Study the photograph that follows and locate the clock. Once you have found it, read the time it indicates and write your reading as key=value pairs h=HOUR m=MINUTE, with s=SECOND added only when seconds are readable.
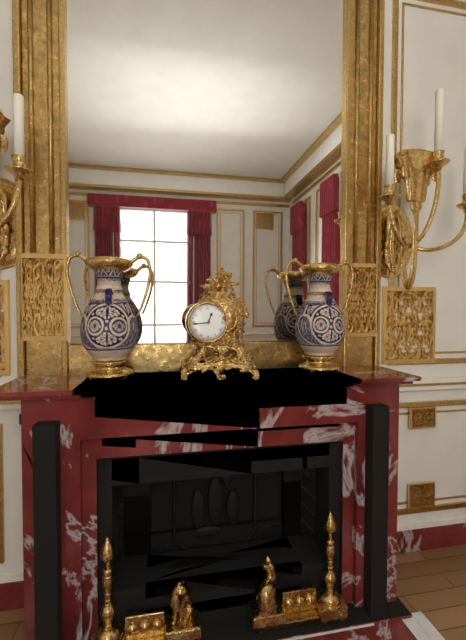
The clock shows h=12 m=44
